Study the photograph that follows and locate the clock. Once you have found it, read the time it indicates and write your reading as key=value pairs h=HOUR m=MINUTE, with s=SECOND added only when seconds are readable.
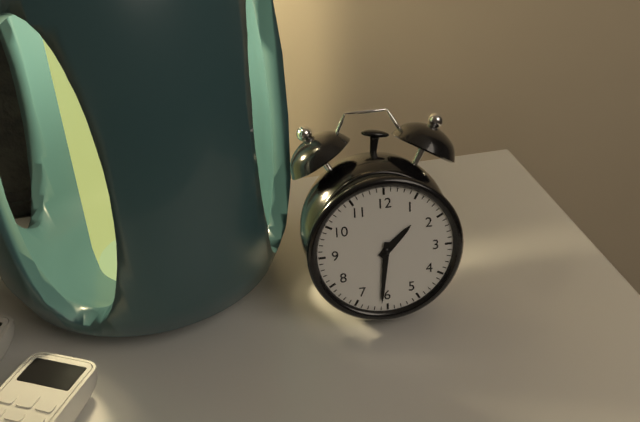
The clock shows h=1 m=31
